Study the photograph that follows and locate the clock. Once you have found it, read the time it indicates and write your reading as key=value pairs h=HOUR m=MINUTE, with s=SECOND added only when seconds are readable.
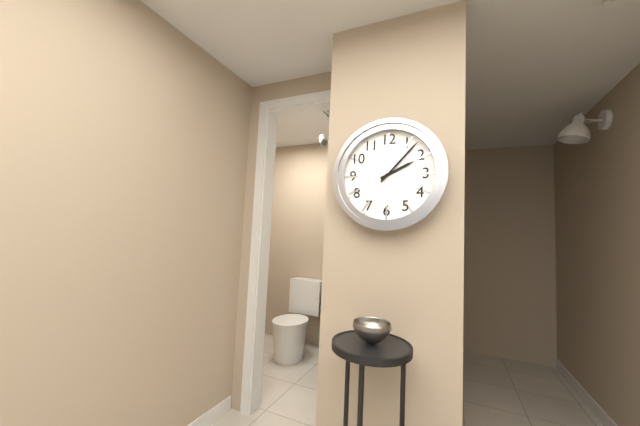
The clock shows h=2 m=7
